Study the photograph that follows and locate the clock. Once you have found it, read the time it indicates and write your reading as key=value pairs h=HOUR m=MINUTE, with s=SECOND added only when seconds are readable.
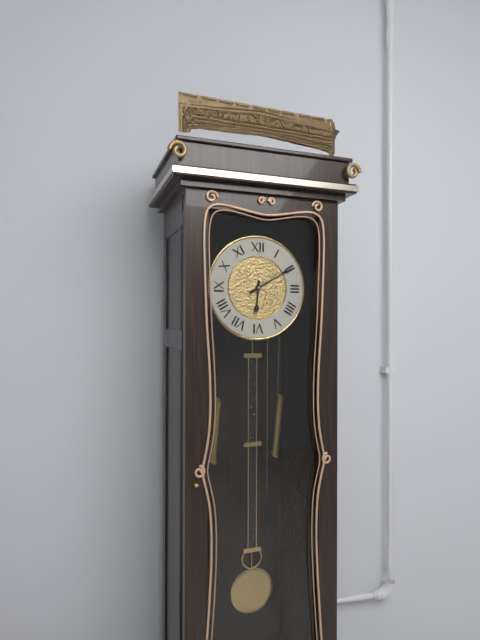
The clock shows h=6 m=10
